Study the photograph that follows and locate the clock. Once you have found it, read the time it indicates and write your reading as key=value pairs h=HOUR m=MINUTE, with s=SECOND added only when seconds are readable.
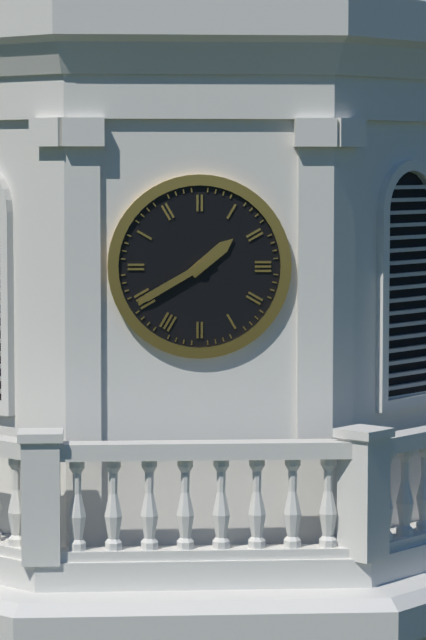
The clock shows h=1 m=40
